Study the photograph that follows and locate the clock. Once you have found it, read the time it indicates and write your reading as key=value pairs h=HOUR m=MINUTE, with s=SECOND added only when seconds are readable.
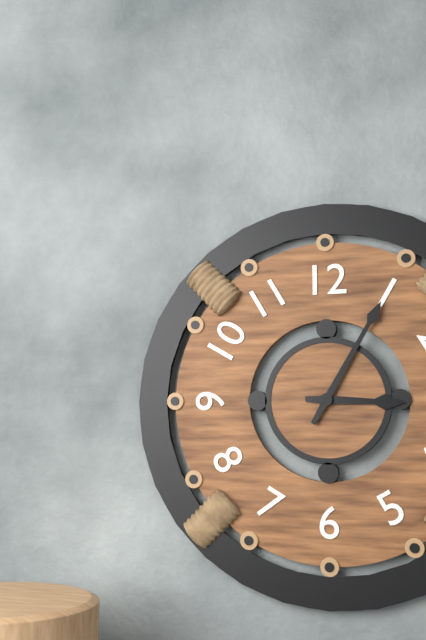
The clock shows h=3 m=5
